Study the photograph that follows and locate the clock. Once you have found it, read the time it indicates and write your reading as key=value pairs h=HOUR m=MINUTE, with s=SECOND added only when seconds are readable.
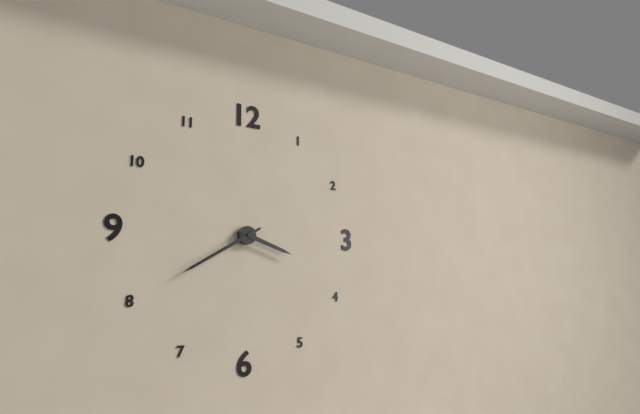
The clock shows h=3 m=40
